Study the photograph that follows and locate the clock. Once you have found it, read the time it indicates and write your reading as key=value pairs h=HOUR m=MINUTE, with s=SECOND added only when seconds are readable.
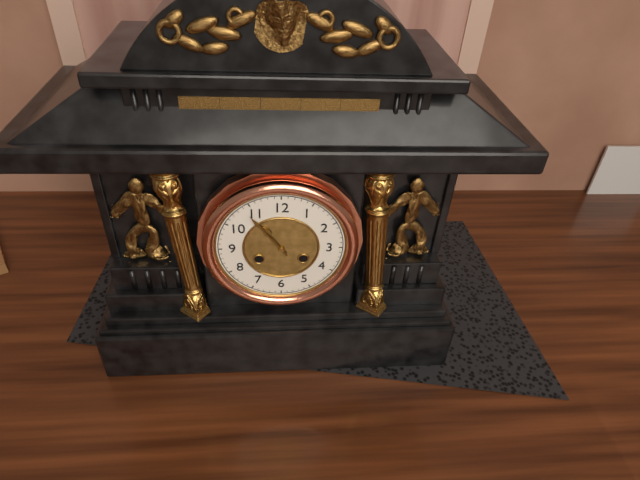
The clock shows h=10 m=54
